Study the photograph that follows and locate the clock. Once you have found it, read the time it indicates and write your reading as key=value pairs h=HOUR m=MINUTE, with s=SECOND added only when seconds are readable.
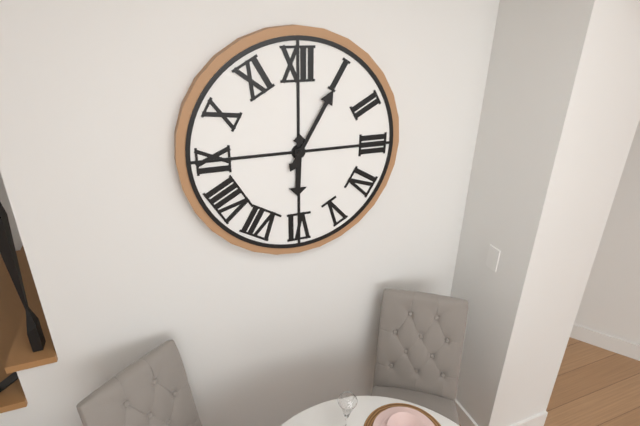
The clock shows h=6 m=5
